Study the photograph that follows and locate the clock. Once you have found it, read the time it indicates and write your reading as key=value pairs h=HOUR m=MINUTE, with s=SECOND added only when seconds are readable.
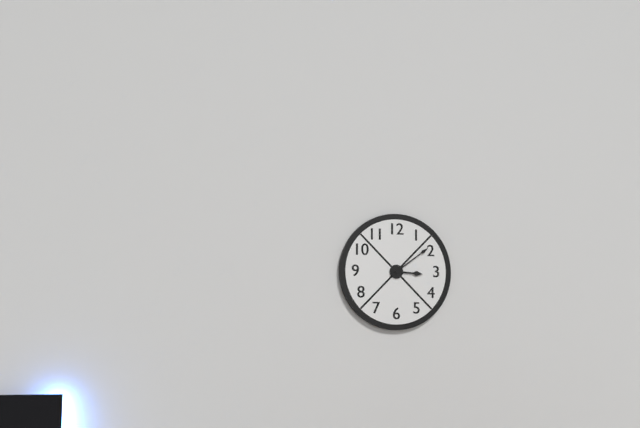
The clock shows h=3 m=9
